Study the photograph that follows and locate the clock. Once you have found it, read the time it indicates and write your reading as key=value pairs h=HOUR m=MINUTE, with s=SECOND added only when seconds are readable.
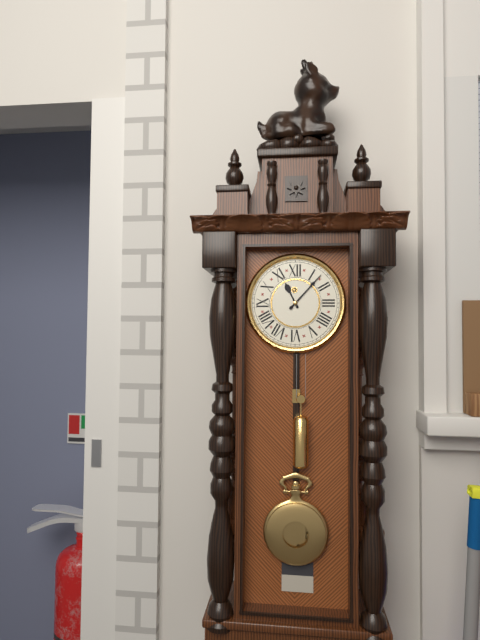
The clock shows h=11 m=7
